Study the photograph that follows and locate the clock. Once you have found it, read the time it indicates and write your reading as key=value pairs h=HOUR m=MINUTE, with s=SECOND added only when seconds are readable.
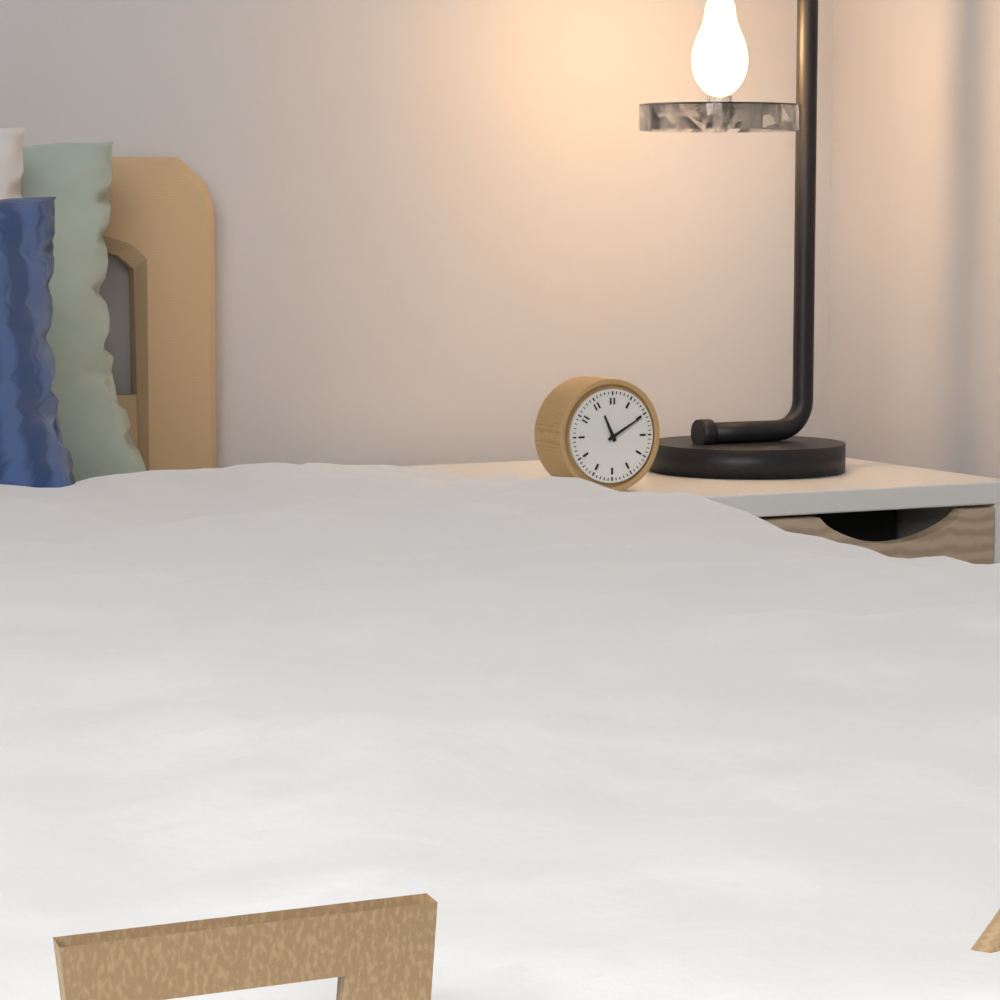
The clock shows h=11 m=10
